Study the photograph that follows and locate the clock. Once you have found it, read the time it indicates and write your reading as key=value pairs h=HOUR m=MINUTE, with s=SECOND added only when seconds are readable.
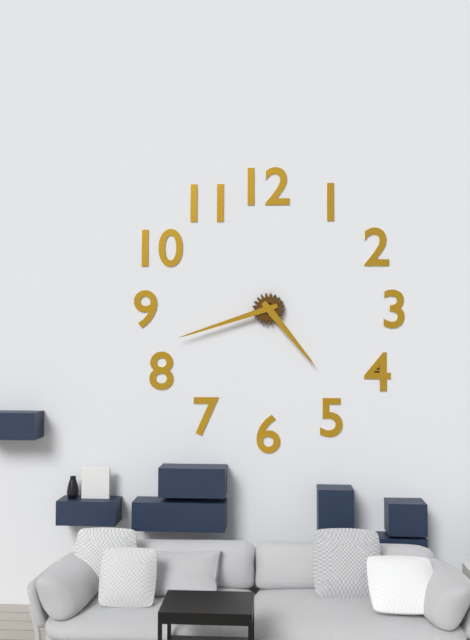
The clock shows h=4 m=42
